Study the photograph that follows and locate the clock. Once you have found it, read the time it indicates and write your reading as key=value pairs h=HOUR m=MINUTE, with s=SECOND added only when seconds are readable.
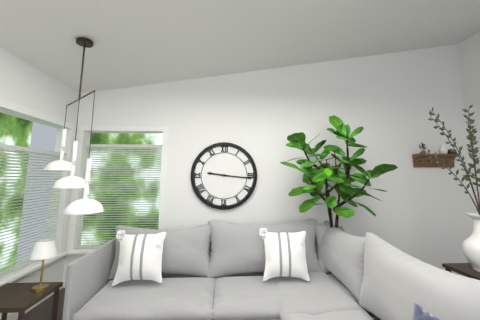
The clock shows h=9 m=16
